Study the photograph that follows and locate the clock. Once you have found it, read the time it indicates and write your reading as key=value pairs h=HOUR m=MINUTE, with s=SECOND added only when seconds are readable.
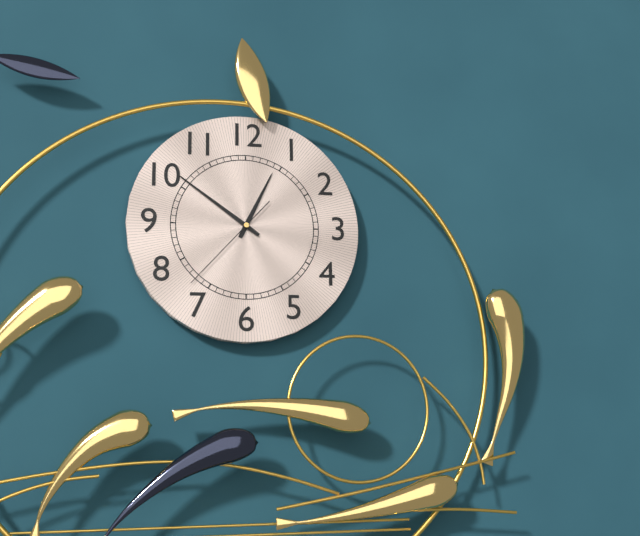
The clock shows h=12 m=51 s=37
